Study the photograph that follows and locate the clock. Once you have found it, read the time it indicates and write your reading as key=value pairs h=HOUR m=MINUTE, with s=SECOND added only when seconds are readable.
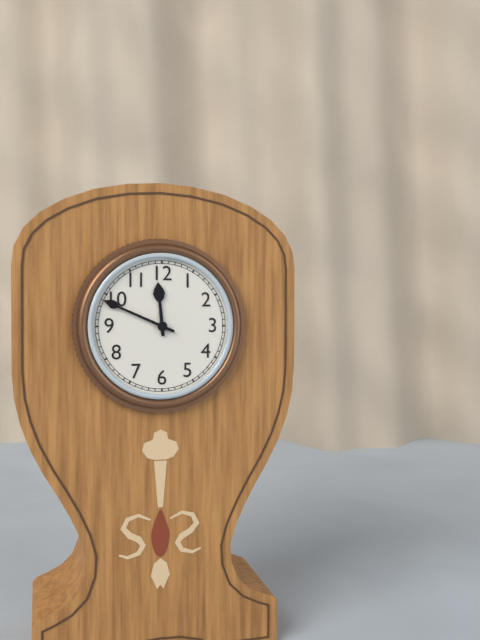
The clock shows h=11 m=49
